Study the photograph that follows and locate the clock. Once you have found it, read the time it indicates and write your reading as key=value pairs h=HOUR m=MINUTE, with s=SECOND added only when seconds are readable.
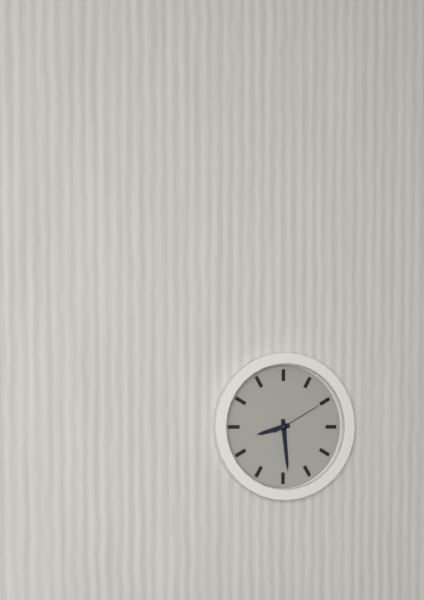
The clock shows h=8 m=29 s=10
